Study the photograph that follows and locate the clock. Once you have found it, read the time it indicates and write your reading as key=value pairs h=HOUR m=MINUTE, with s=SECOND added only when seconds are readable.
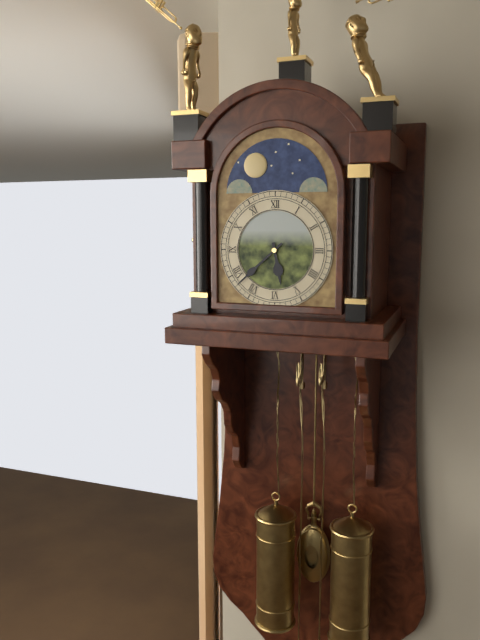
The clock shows h=5 m=38
